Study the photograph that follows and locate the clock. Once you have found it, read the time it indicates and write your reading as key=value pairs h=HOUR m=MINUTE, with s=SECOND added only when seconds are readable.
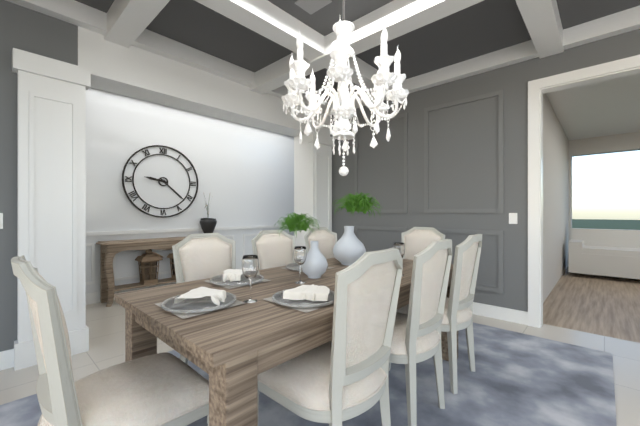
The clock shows h=9 m=22
